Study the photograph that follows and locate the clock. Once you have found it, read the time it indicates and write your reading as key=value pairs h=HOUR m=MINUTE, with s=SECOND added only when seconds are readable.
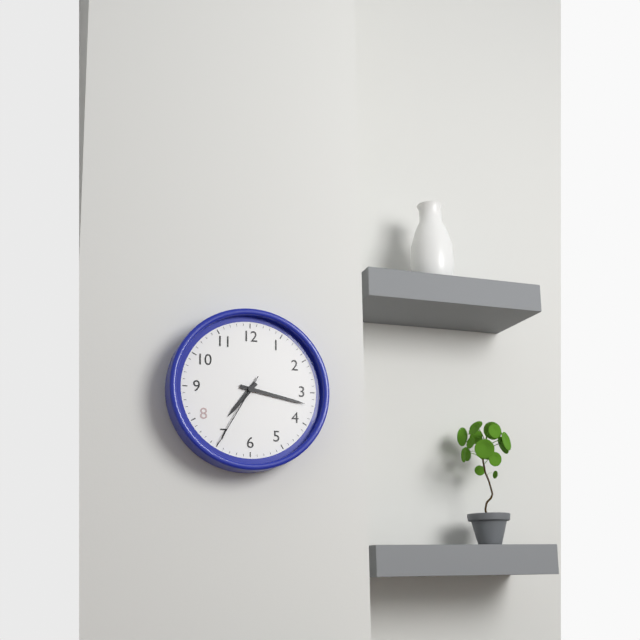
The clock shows h=7 m=17 s=35
